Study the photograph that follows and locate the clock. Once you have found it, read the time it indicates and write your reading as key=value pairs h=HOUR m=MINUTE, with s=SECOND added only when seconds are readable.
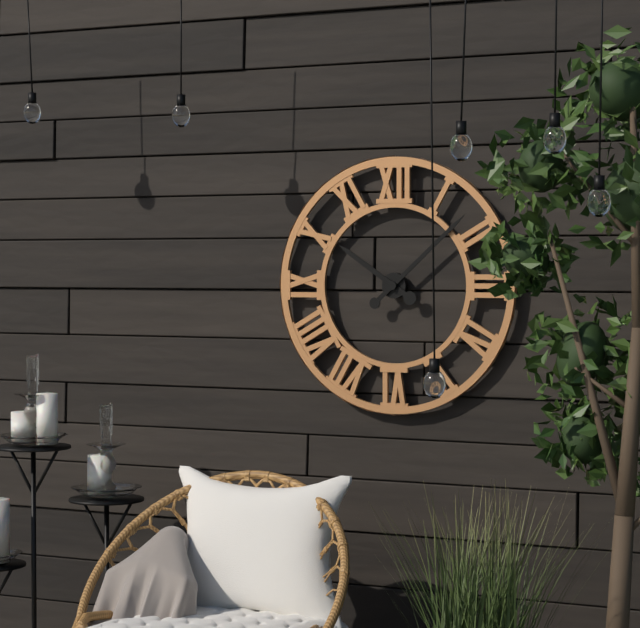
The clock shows h=10 m=8
